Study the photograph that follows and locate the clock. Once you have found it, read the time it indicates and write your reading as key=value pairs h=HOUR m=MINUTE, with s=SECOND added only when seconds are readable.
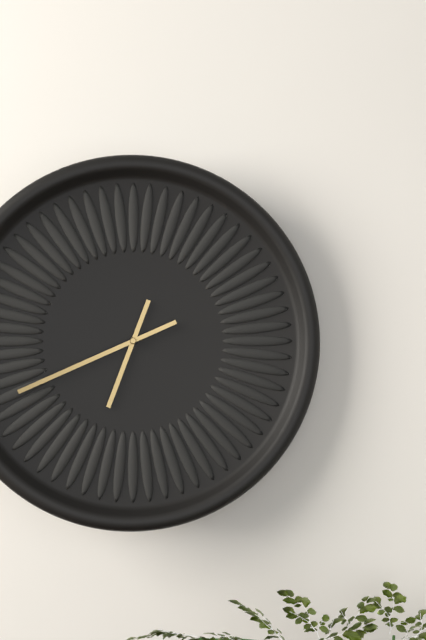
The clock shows h=6 m=41
